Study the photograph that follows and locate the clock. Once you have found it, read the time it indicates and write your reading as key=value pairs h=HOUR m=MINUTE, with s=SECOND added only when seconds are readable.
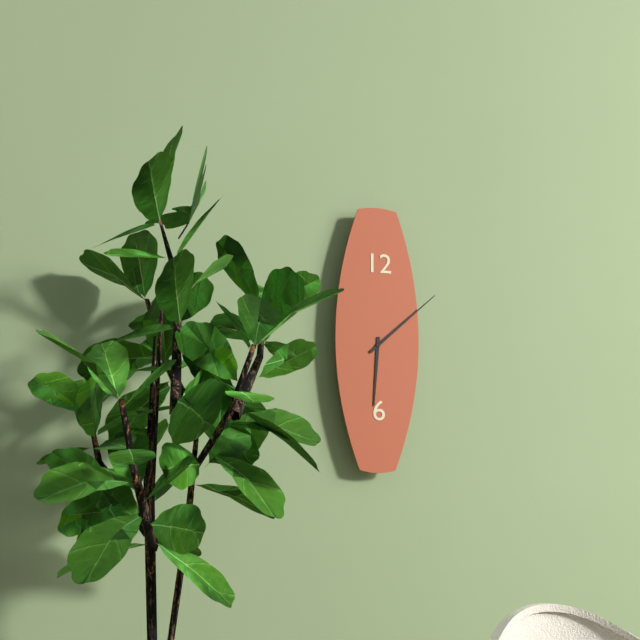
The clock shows h=6 m=8
